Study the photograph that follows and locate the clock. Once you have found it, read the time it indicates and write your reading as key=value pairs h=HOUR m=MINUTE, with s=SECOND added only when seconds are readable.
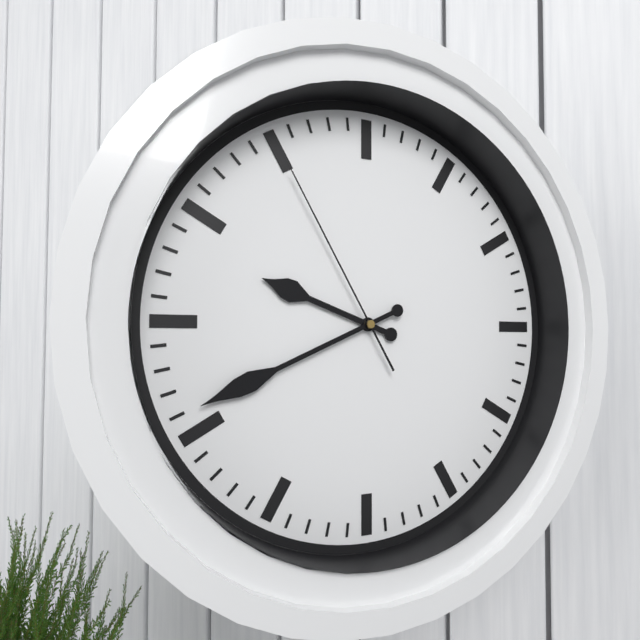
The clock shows h=9 m=41 s=55
